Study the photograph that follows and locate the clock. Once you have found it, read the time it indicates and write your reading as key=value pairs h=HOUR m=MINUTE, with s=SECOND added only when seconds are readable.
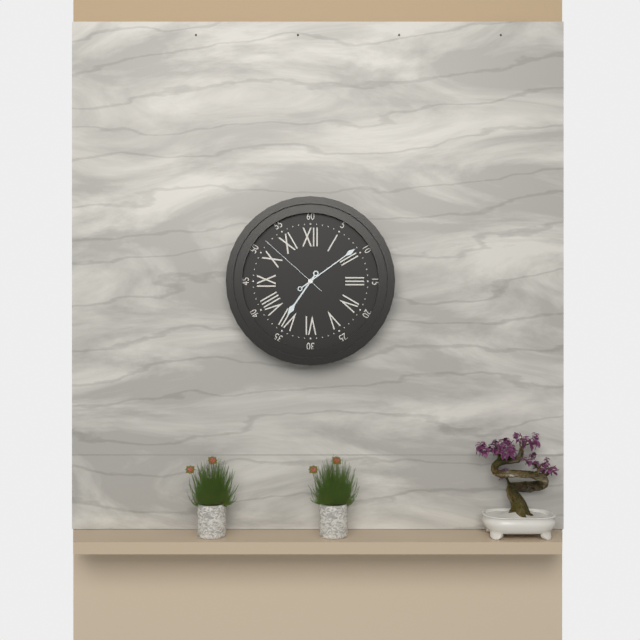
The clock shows h=7 m=9 s=52
